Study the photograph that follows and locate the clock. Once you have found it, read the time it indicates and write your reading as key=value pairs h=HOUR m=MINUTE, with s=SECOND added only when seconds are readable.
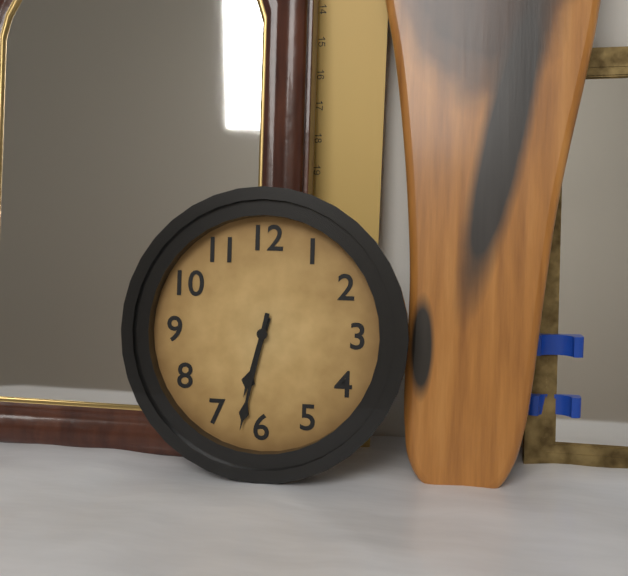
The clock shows h=6 m=32
